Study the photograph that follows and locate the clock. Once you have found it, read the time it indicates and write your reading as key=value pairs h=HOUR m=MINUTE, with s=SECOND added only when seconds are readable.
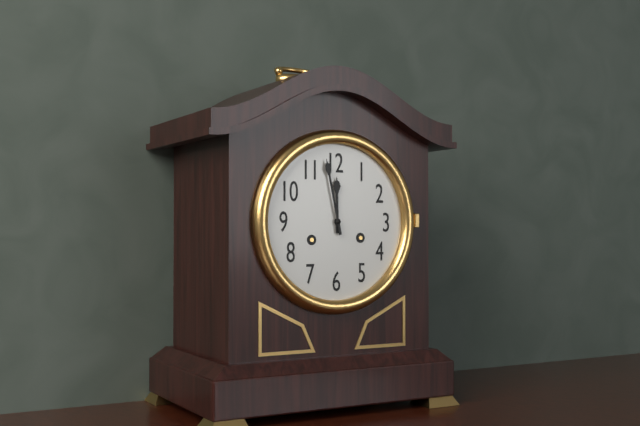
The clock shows h=11 m=58
